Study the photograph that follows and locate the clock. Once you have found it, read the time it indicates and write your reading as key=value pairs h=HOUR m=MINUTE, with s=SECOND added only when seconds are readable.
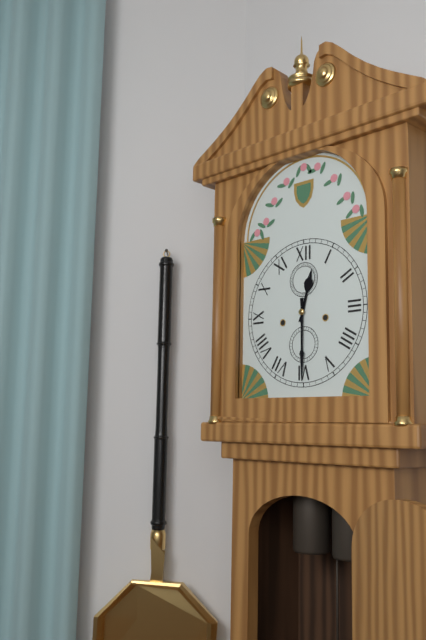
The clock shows h=12 m=30
